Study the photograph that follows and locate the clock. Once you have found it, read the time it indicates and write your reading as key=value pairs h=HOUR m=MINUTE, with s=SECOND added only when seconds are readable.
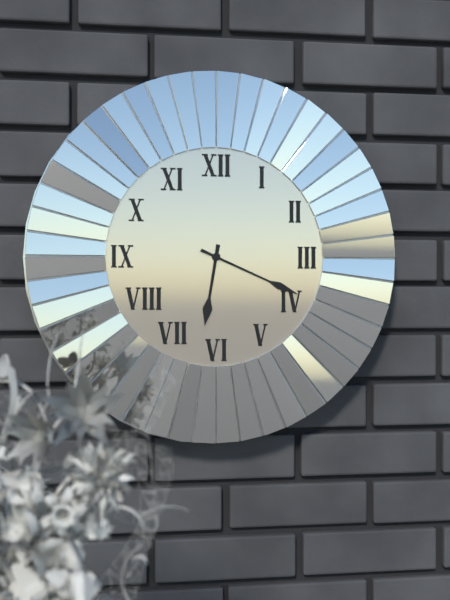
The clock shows h=6 m=19
